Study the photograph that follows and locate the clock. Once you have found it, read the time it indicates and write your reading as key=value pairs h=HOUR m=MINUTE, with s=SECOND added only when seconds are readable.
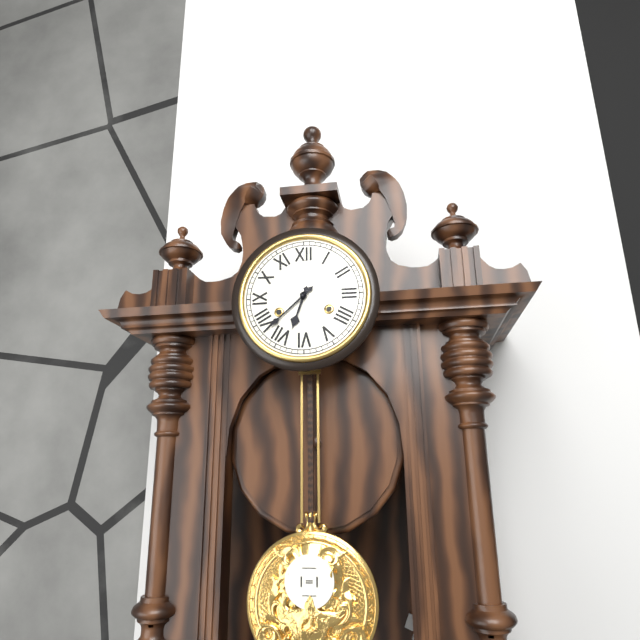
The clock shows h=6 m=38
